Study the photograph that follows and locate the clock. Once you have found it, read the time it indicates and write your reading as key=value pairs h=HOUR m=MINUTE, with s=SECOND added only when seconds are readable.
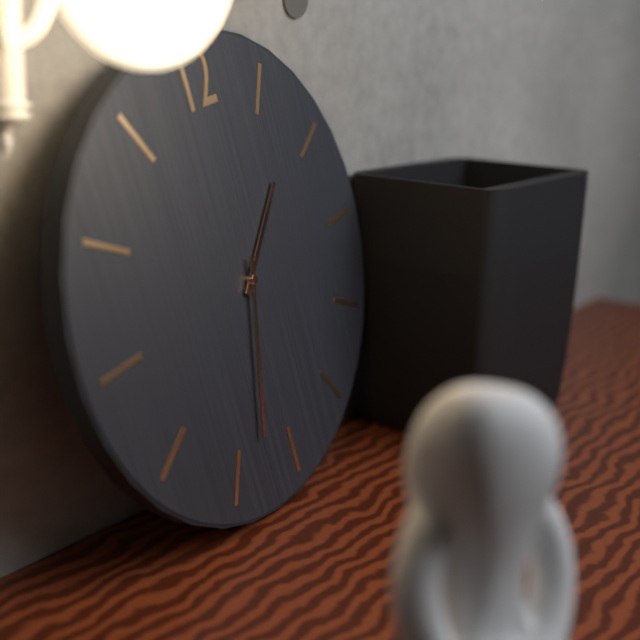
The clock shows h=1 m=33
